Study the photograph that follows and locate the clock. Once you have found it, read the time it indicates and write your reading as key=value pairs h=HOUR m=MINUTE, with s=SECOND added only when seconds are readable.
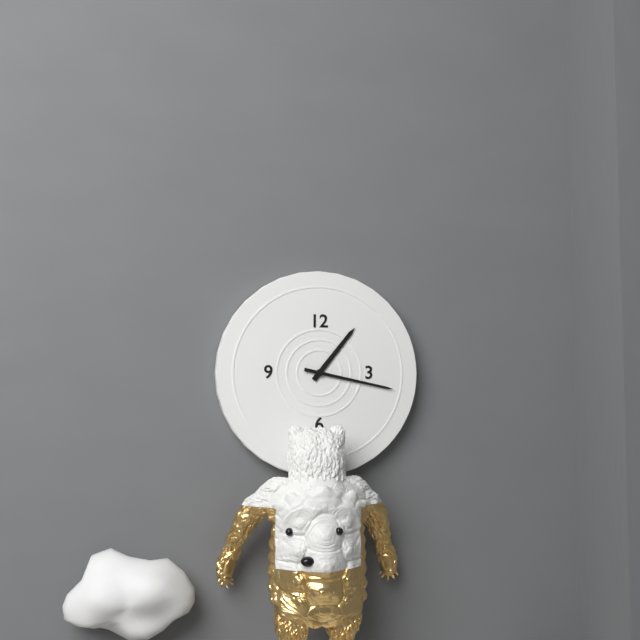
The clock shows h=1 m=17
